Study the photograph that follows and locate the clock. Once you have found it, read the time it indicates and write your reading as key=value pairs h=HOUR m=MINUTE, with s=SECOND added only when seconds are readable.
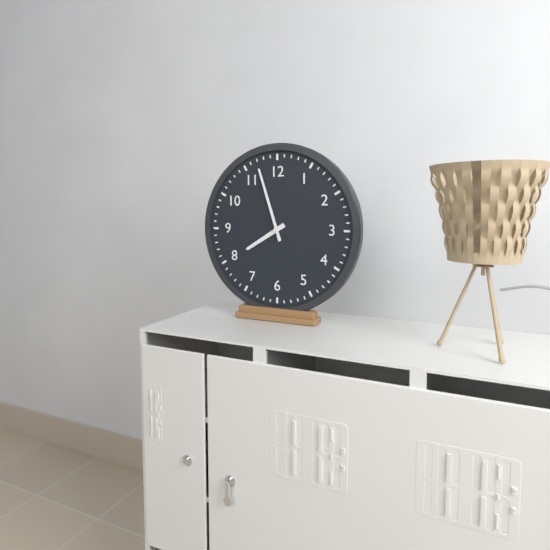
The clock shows h=7 m=57
